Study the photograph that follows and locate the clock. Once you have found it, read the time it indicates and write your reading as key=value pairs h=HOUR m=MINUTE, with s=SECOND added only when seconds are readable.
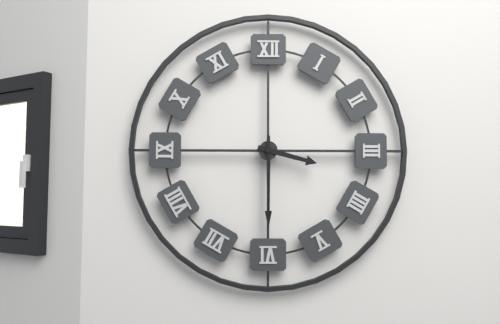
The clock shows h=3 m=30
